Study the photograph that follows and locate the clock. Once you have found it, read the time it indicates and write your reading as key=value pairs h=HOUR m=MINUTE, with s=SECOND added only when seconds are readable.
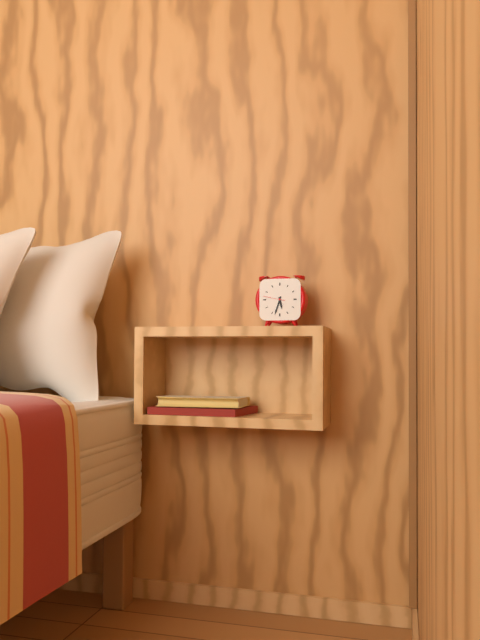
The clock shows h=5 m=33
